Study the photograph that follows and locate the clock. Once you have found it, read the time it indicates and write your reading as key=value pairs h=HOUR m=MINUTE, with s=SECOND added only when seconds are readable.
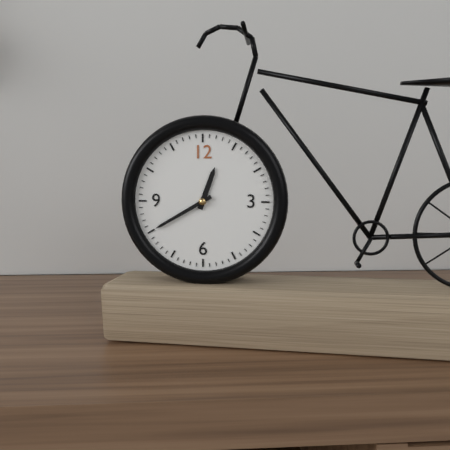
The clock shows h=12 m=40
